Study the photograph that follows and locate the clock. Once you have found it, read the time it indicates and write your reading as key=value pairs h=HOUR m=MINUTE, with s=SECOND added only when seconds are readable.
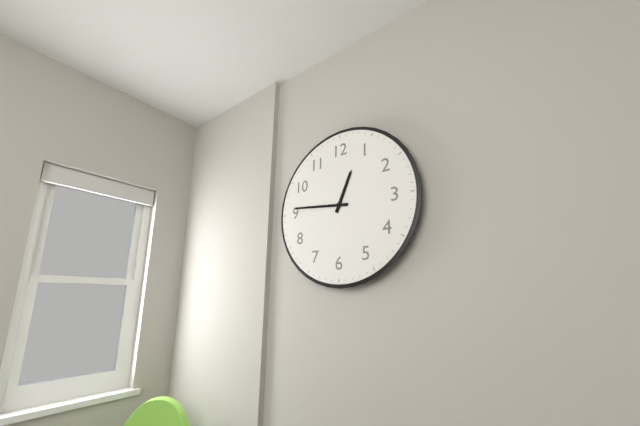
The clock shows h=12 m=46
